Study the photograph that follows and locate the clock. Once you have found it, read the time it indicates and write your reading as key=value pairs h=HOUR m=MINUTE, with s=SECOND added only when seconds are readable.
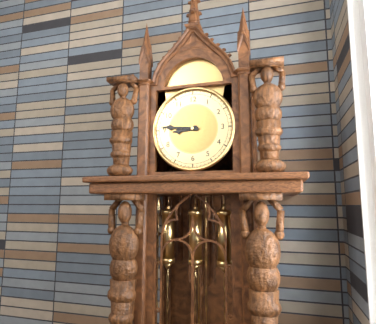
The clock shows h=8 m=46
